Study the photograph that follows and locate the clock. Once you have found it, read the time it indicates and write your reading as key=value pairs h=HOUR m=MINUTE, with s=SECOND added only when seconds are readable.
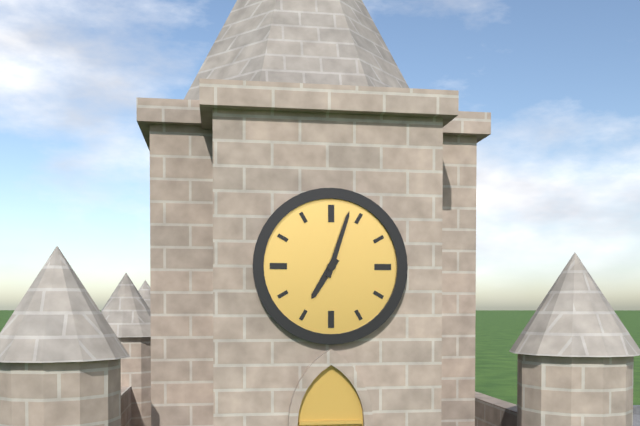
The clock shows h=7 m=3
